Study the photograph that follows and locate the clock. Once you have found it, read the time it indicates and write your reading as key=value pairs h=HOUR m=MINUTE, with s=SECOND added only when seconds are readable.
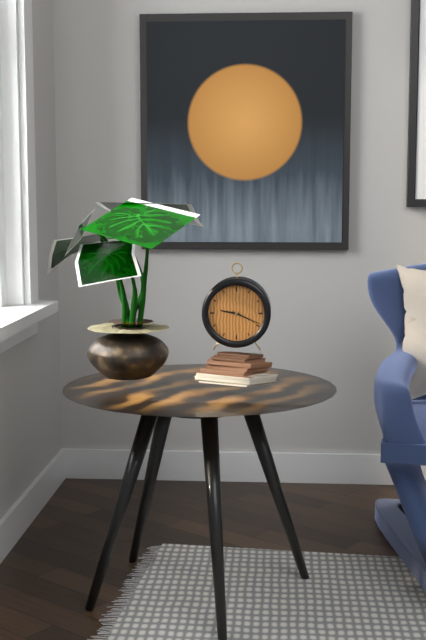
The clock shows h=9 m=19
